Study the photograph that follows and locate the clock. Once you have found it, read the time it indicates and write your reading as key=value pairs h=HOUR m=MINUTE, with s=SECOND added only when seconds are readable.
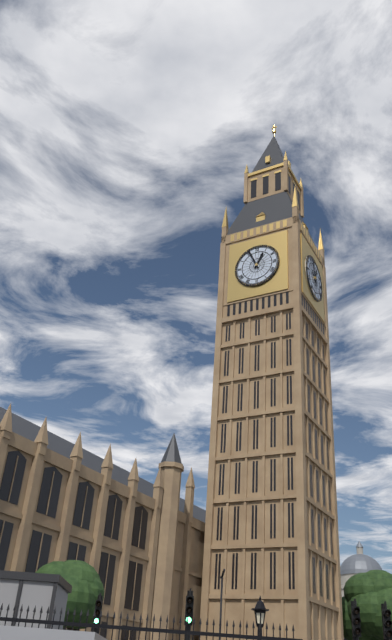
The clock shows h=12 m=56
